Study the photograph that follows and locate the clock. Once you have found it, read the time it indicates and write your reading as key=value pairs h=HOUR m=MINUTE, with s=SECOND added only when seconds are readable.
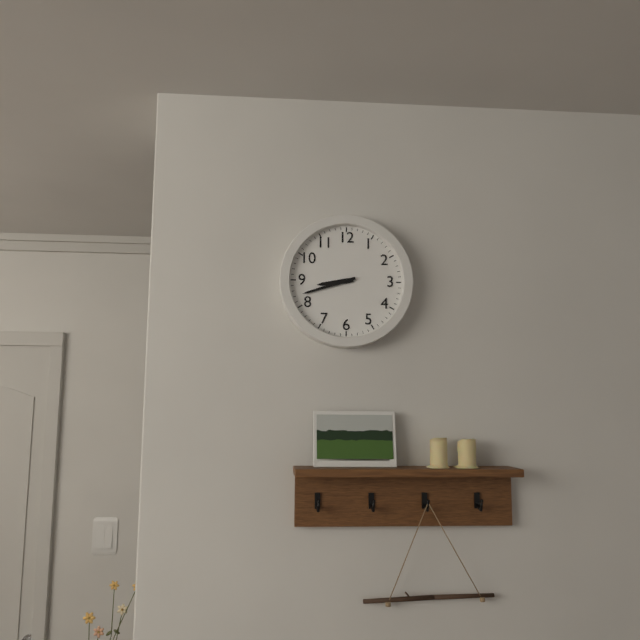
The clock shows h=8 m=42
